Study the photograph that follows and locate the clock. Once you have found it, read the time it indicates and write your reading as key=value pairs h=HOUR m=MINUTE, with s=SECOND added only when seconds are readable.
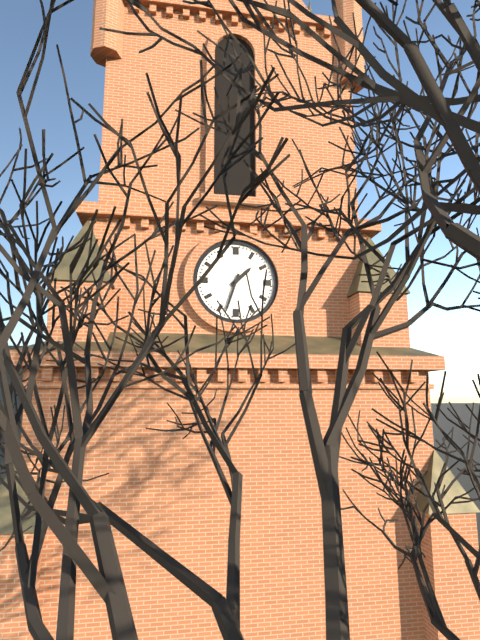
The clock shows h=1 m=33
